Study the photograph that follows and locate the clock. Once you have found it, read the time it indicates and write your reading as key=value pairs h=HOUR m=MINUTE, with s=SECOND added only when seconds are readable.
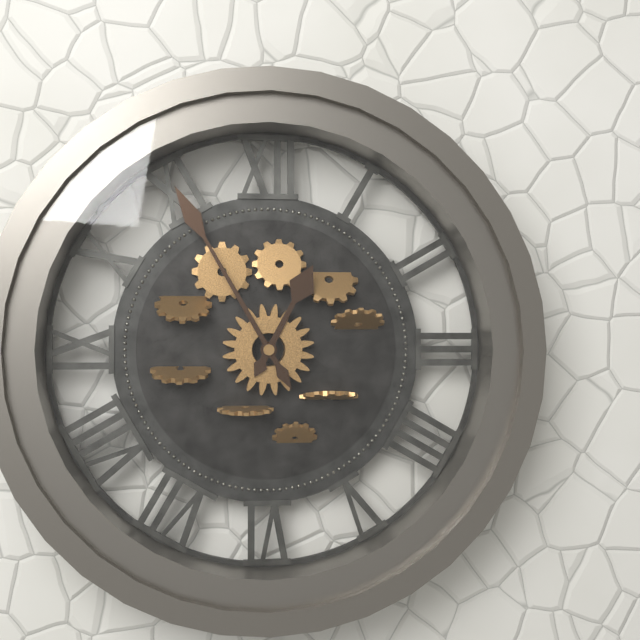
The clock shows h=12 m=55
